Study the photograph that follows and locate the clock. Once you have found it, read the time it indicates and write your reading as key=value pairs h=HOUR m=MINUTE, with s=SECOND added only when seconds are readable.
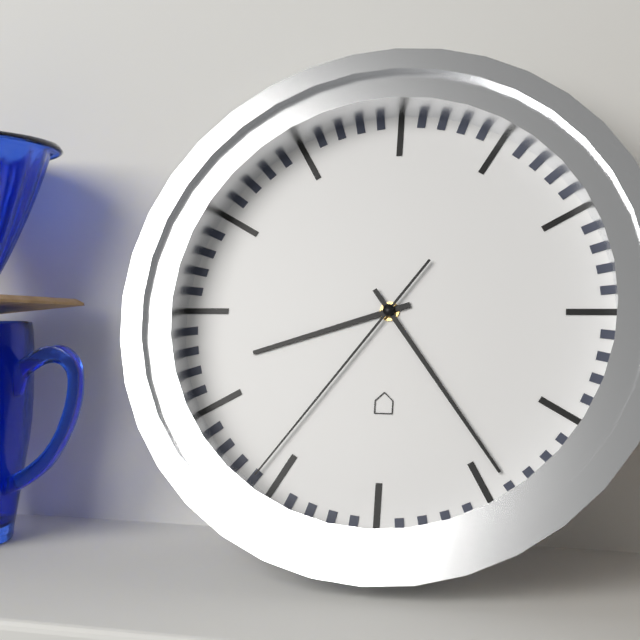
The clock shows h=8 m=24 s=36
